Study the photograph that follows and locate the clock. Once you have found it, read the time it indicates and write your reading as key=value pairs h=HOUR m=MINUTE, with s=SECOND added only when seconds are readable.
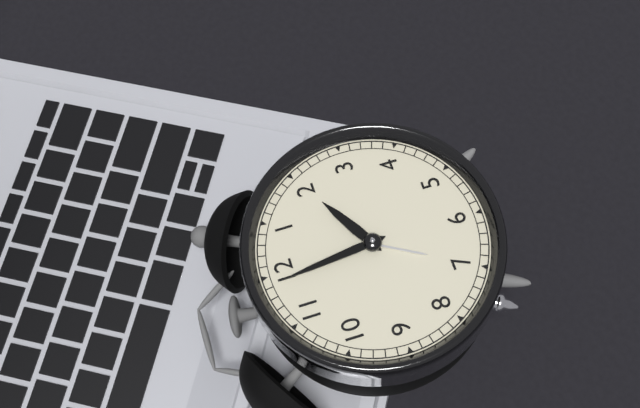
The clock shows h=1 m=59
